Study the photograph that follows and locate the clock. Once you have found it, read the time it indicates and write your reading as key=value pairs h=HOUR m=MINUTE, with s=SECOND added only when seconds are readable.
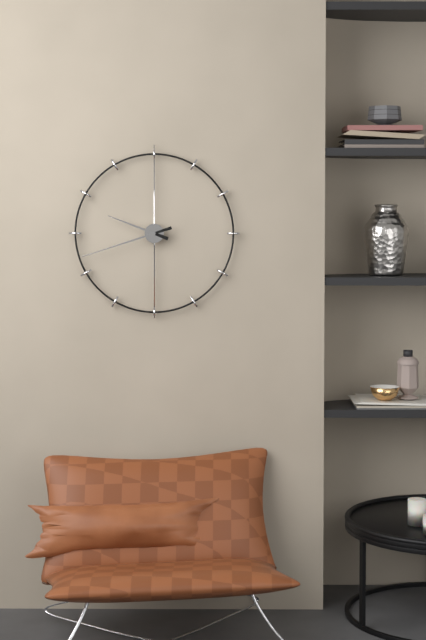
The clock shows h=9 m=42
